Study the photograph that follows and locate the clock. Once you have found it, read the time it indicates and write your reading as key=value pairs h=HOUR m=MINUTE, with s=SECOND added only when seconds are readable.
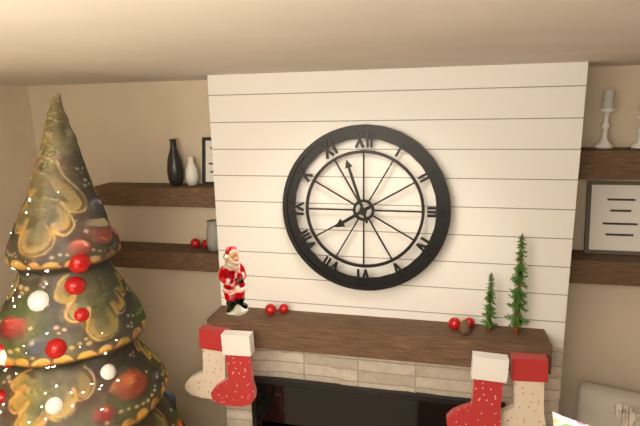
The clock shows h=7 m=57
